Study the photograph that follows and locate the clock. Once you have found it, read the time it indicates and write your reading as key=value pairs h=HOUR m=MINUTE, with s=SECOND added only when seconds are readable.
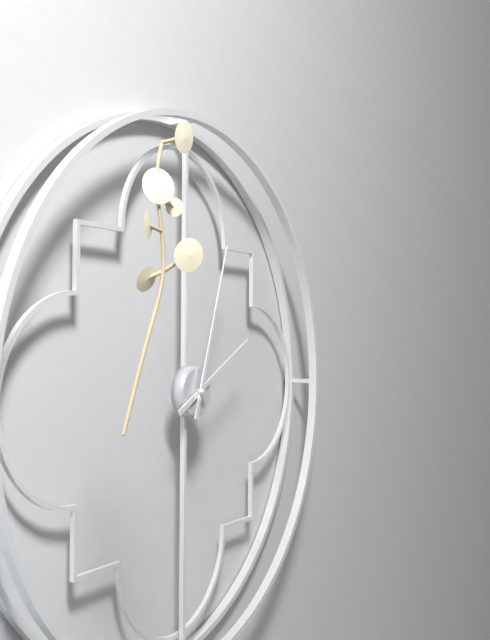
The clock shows h=2 m=3
